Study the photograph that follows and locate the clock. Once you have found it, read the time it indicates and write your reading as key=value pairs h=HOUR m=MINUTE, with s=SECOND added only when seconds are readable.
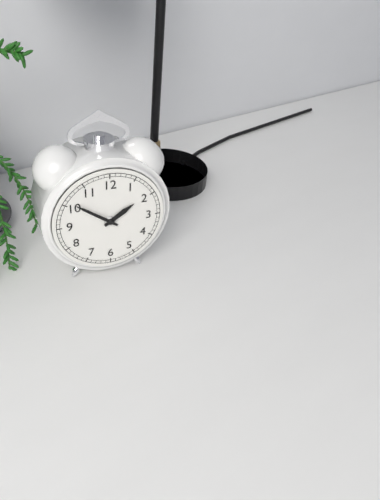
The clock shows h=1 m=51
